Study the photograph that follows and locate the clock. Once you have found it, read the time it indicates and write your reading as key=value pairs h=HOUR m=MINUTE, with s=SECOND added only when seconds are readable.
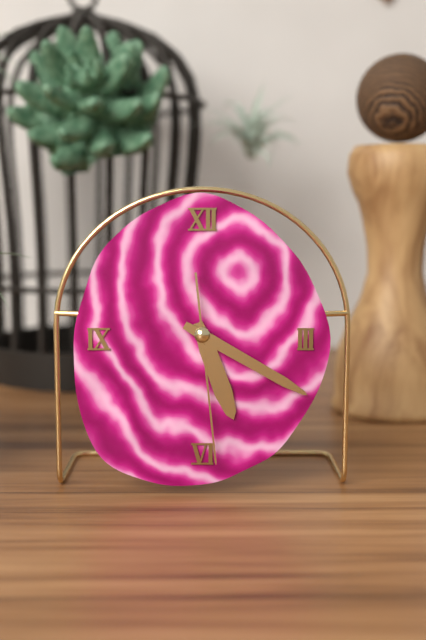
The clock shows h=5 m=20 s=29
